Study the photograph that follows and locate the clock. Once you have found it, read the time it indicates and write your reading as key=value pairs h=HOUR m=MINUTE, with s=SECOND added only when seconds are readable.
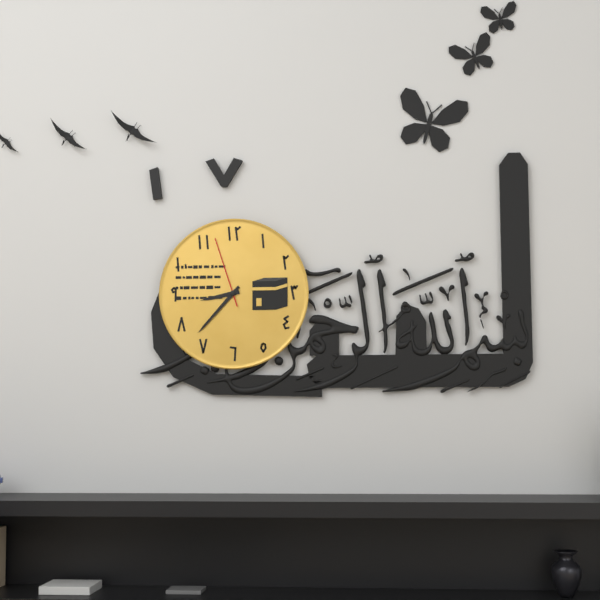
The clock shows h=8 m=37 s=57
